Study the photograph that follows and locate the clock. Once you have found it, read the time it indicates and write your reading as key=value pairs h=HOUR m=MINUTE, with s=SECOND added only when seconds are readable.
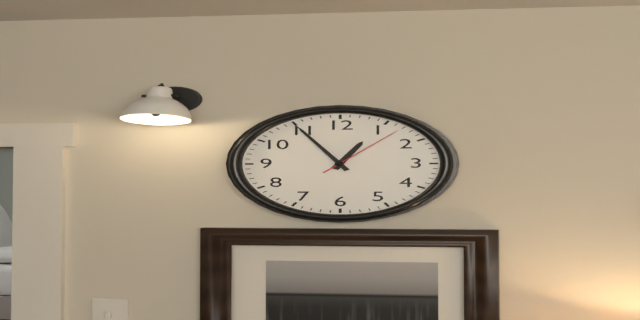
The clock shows h=12 m=55 s=7
